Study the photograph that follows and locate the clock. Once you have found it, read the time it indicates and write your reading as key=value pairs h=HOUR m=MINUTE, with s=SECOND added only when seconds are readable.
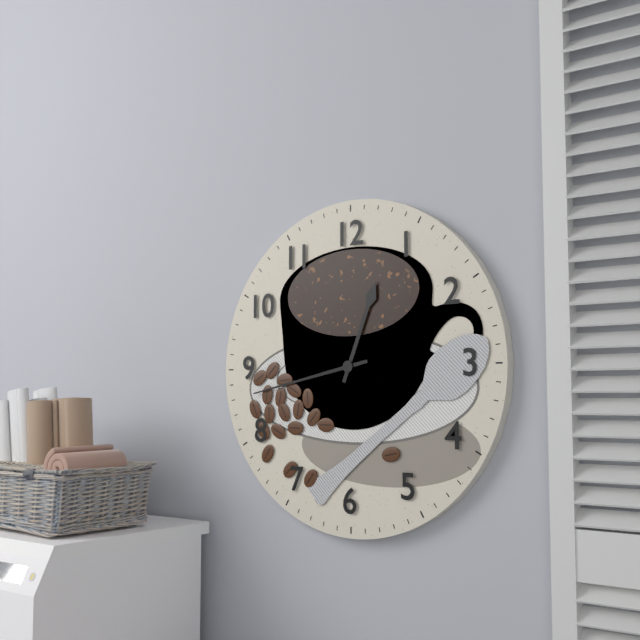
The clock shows h=12 m=43
